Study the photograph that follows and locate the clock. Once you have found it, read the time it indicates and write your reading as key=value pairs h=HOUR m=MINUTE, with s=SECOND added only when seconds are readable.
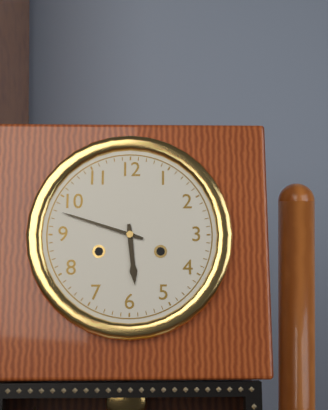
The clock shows h=5 m=48
